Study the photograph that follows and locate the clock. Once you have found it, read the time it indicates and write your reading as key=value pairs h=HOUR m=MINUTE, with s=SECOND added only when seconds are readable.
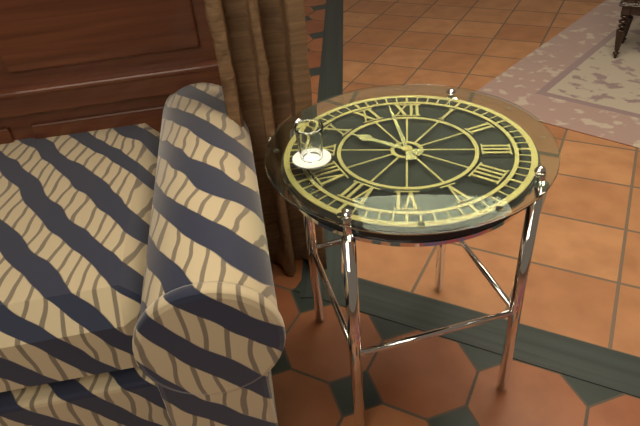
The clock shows h=9 m=58
